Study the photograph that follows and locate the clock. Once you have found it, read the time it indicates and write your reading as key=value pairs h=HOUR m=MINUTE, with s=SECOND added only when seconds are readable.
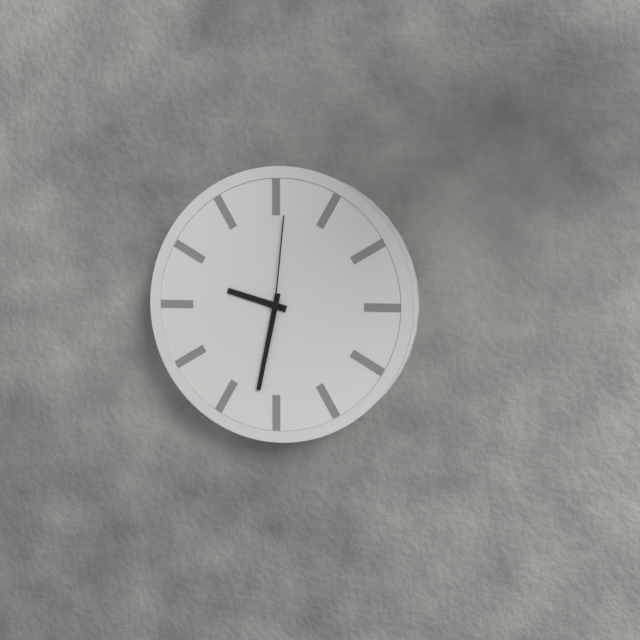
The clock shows h=9 m=32 s=1
